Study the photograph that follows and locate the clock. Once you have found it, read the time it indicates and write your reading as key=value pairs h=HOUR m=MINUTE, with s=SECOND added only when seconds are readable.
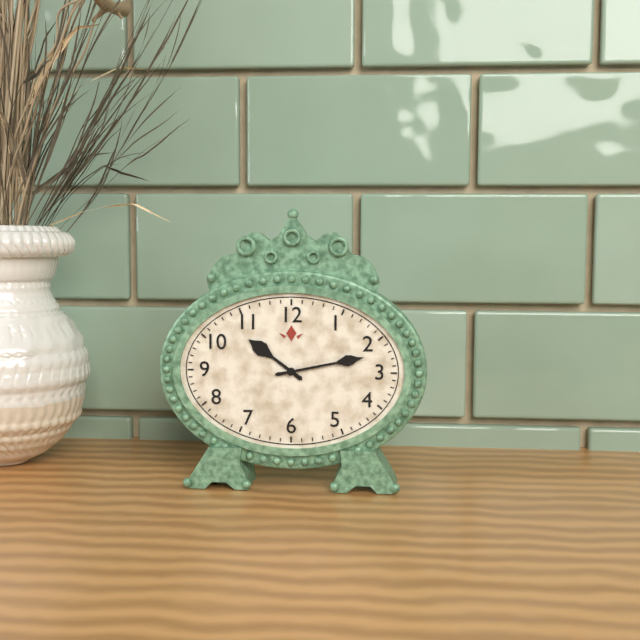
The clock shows h=10 m=13
